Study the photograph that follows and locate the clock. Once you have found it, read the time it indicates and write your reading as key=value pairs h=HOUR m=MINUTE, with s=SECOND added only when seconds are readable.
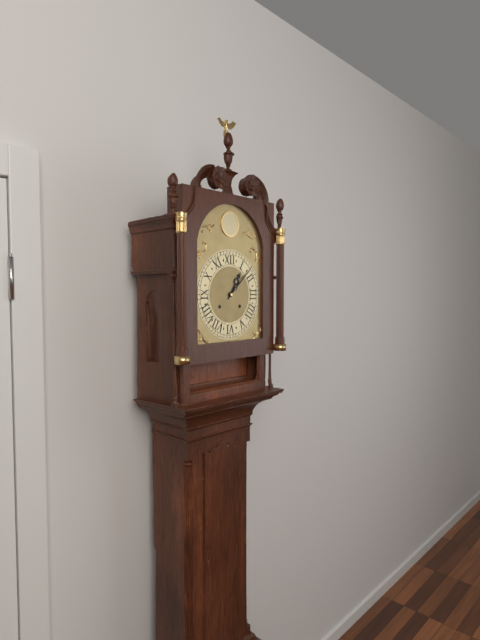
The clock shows h=1 m=8
